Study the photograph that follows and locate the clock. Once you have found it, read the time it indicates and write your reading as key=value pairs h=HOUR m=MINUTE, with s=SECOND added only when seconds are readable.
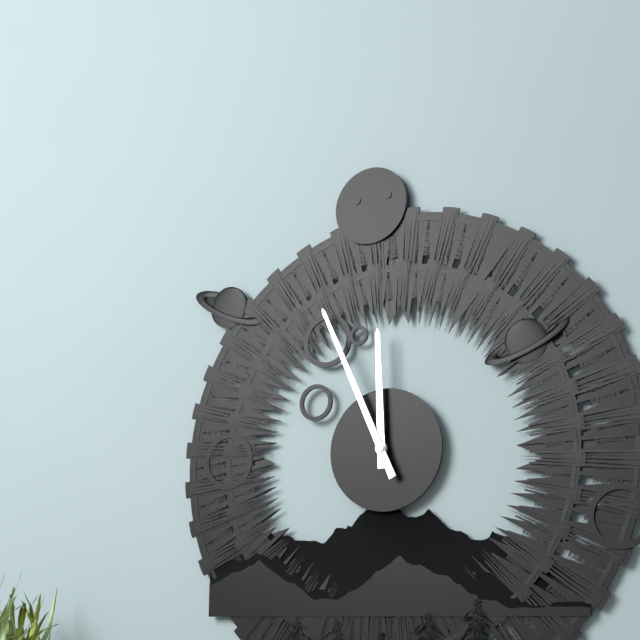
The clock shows h=11 m=56
